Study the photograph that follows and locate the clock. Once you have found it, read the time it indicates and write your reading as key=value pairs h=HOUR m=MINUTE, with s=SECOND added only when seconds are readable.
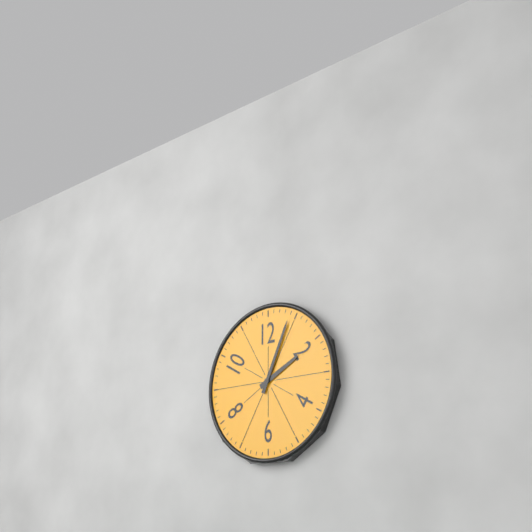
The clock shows h=2 m=4
